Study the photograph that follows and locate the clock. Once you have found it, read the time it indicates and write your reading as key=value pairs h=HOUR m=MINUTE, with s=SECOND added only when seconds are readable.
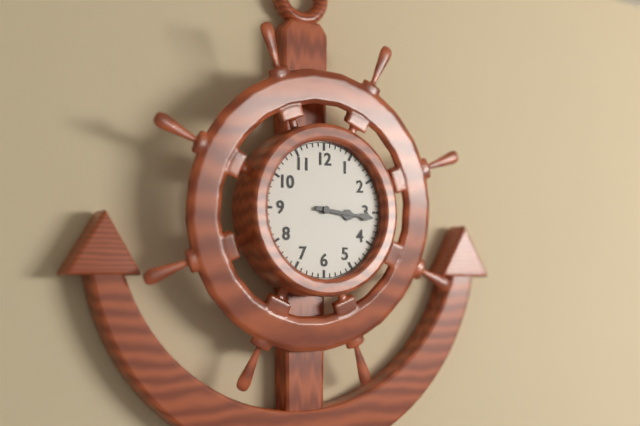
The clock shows h=3 m=16
